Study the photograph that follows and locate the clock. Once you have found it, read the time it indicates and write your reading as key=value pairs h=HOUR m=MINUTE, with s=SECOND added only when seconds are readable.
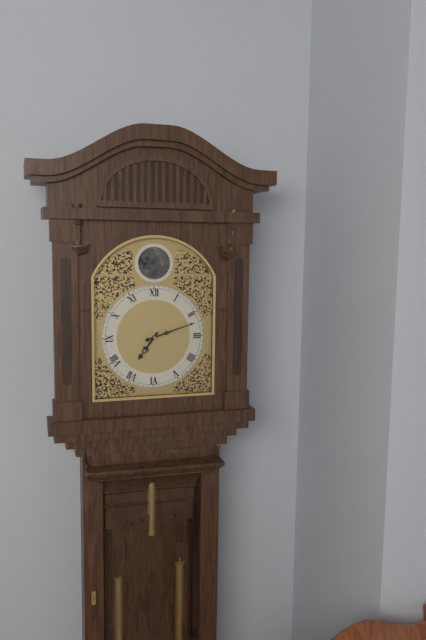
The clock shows h=7 m=12
